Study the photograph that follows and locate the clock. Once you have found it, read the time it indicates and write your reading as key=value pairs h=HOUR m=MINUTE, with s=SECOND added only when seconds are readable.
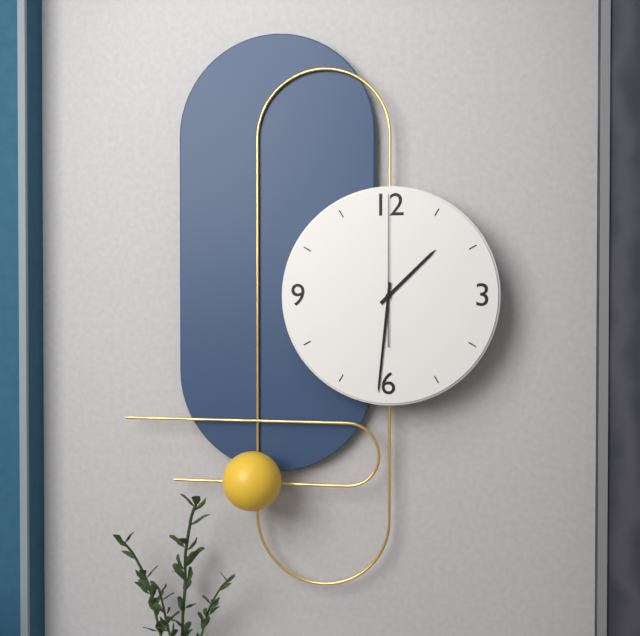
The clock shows h=1 m=31 s=0
